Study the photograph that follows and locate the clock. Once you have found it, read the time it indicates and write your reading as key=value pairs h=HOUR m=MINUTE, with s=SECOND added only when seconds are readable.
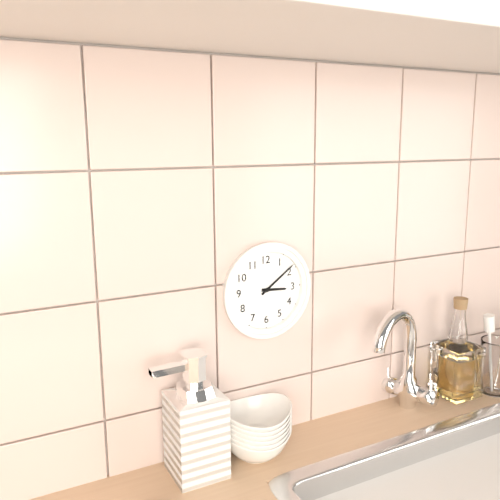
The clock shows h=3 m=9
